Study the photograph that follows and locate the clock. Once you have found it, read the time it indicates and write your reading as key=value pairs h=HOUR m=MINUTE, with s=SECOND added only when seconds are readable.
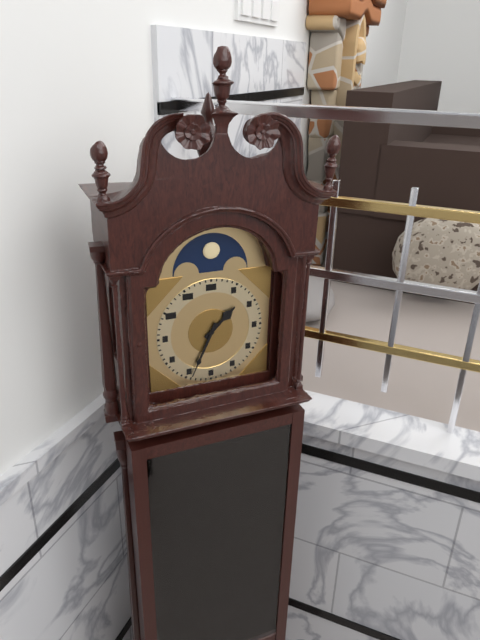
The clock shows h=1 m=34
